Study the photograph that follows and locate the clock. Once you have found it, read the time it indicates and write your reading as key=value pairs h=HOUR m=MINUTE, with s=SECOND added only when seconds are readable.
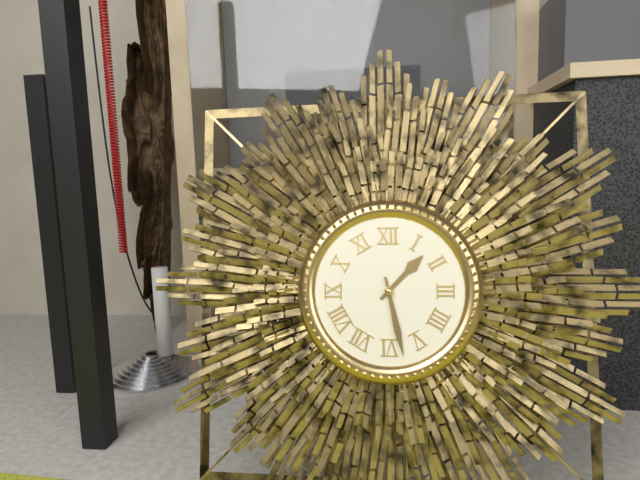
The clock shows h=1 m=28
